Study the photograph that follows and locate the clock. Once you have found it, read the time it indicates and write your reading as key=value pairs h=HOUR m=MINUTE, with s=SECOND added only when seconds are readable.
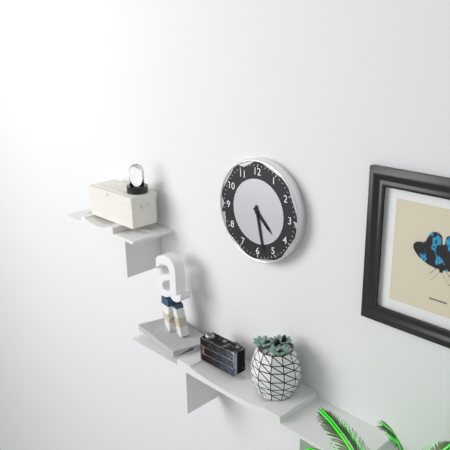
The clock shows h=4 m=28
